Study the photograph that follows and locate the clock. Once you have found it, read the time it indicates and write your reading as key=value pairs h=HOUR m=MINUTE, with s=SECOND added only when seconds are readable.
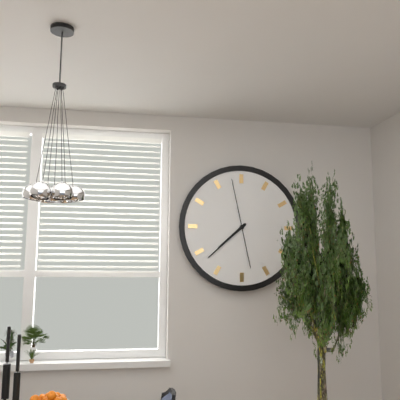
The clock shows h=7 m=38 s=58
